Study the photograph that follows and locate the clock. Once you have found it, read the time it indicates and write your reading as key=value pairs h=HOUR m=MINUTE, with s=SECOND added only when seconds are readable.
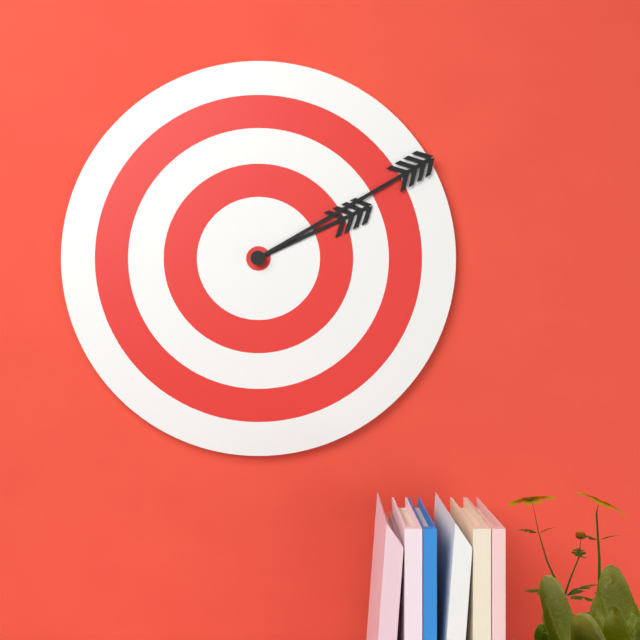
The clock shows h=2 m=10
